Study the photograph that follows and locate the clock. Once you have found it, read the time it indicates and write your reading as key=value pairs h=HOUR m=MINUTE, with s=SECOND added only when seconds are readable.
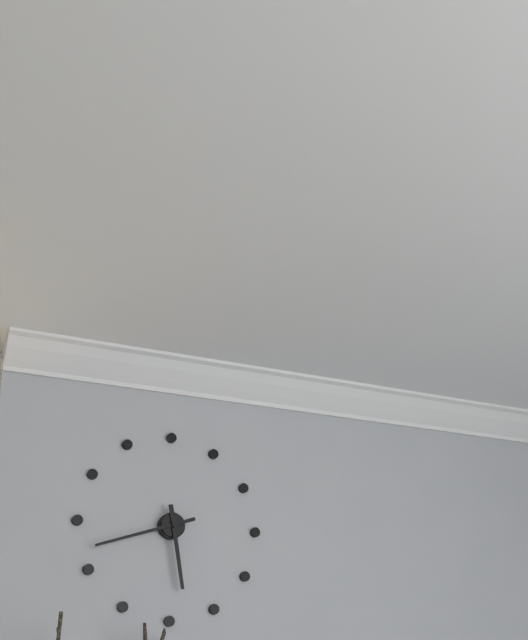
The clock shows h=5 m=42
